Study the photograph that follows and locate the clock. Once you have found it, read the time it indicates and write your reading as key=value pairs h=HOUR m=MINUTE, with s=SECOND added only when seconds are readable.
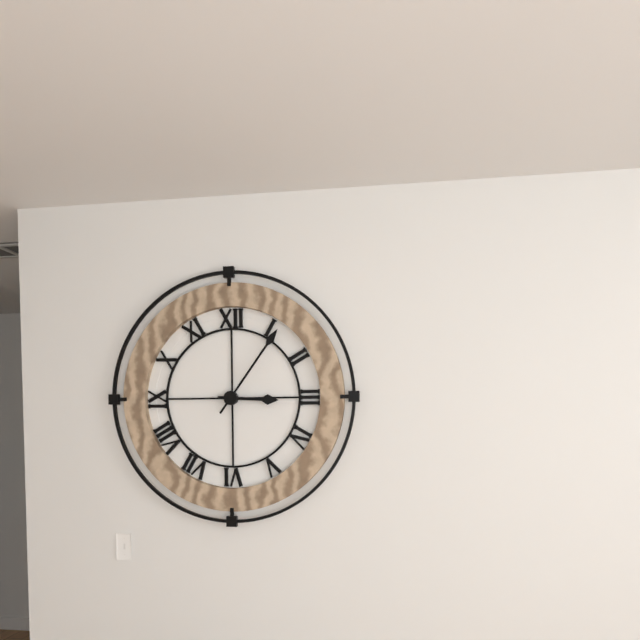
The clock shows h=3 m=6
